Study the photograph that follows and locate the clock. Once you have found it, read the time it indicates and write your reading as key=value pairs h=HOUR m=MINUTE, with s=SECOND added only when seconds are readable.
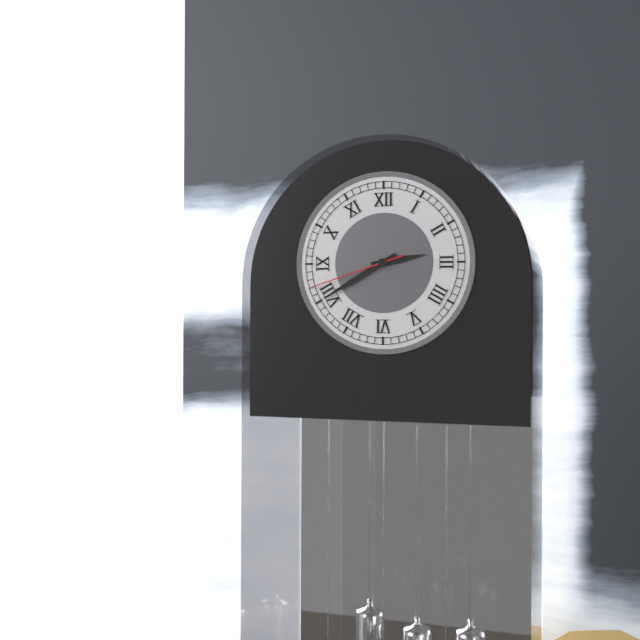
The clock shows h=2 m=40 s=42
